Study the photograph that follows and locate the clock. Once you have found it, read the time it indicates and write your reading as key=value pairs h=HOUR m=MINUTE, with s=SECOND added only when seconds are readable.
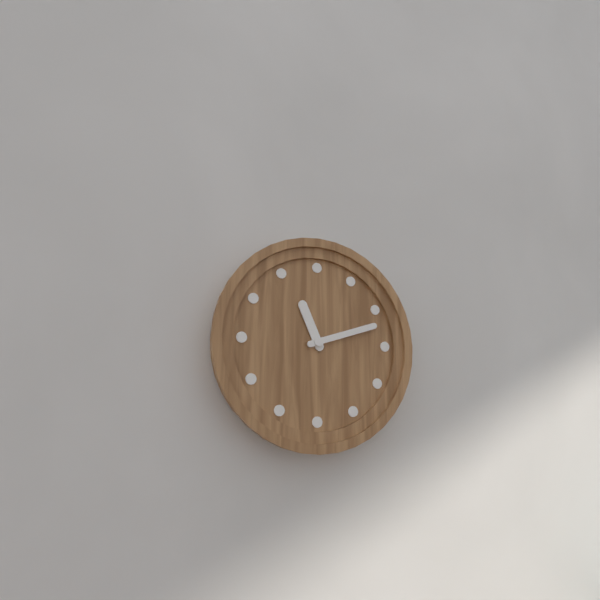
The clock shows h=11 m=12
